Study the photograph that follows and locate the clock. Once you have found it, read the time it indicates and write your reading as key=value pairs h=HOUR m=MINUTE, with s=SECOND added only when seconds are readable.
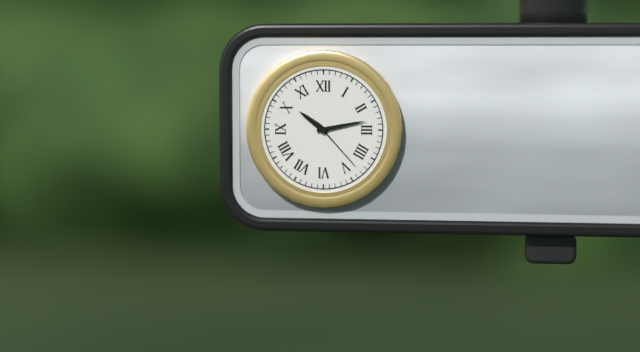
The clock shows h=10 m=13 s=23
